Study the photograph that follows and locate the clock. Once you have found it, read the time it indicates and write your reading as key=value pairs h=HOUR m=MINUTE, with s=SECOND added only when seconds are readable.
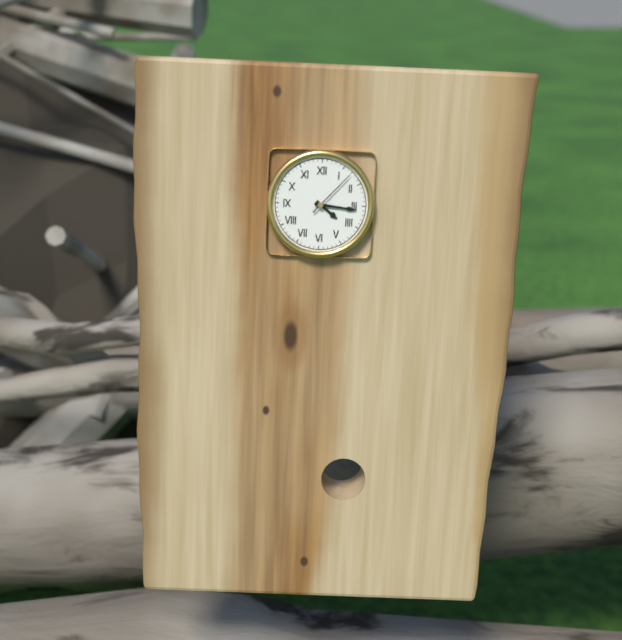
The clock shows h=4 m=16 s=7
